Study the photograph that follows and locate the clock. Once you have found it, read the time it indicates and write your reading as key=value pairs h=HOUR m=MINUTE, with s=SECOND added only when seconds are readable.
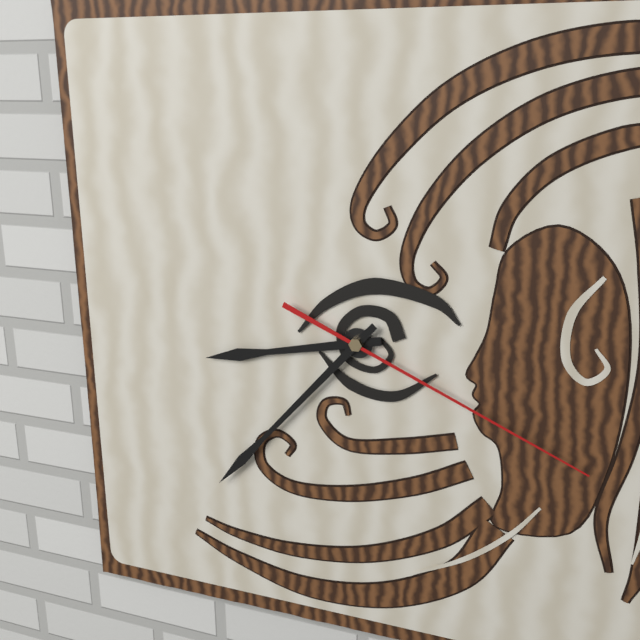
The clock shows h=8 m=37 s=19
